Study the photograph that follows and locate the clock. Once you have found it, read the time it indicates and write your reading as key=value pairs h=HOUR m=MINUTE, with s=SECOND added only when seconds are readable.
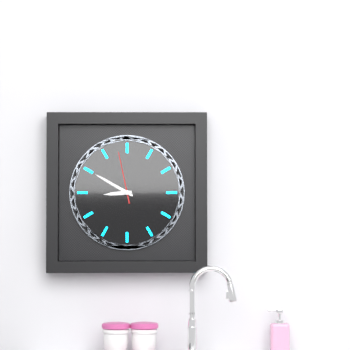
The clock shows h=8 m=50 s=58
